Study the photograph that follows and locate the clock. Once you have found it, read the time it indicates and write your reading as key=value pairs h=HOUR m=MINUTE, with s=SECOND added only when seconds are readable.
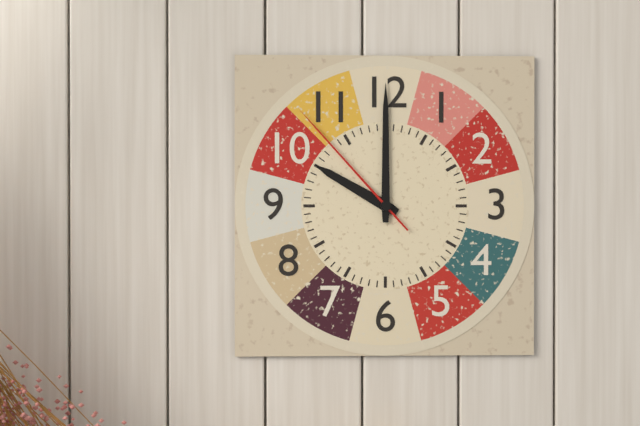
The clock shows h=10 m=0 s=53
